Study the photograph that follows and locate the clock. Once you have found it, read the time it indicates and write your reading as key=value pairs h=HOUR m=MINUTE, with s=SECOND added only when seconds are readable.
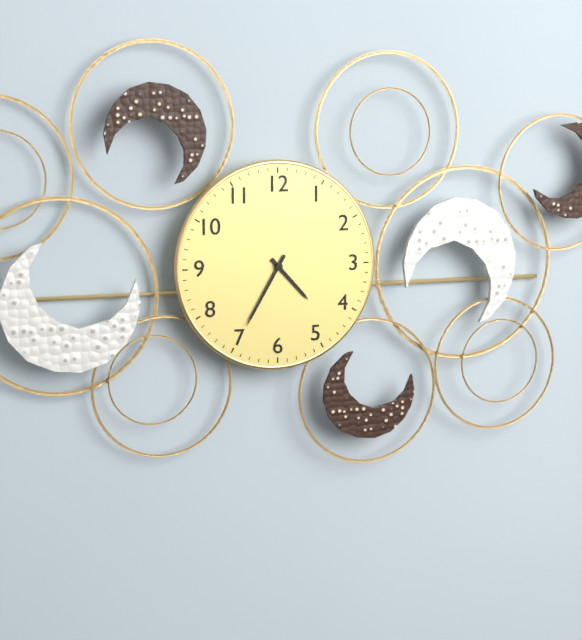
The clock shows h=4 m=35
